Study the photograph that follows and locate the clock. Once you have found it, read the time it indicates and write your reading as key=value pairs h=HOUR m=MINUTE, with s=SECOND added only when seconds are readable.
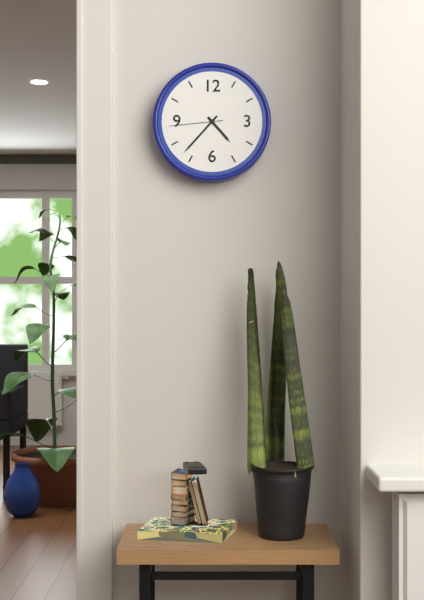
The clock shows h=4 m=37 s=44
